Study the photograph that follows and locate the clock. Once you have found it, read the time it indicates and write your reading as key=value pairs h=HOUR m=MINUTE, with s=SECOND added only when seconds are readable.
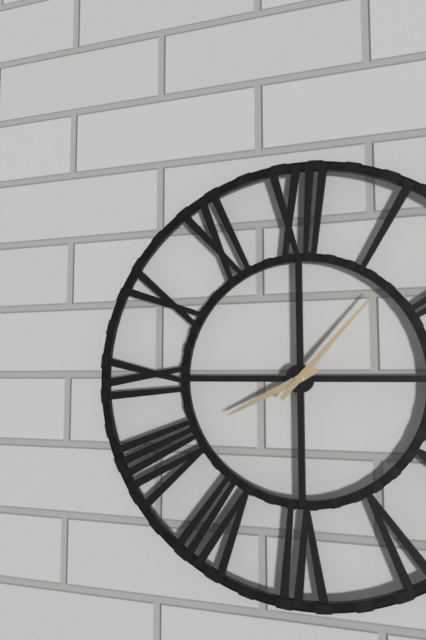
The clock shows h=8 m=7
